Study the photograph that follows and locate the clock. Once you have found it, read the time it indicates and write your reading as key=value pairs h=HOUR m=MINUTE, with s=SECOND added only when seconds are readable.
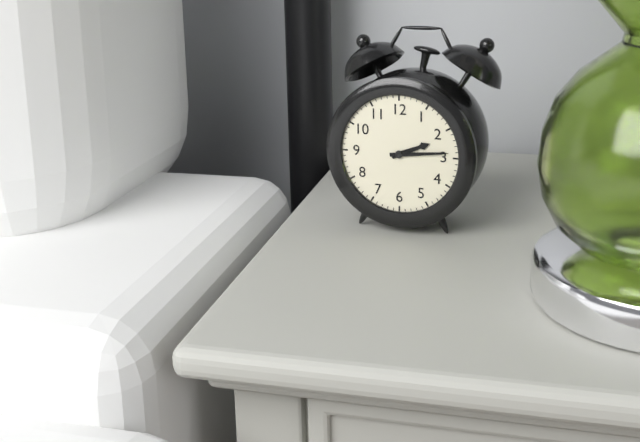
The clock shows h=2 m=14
